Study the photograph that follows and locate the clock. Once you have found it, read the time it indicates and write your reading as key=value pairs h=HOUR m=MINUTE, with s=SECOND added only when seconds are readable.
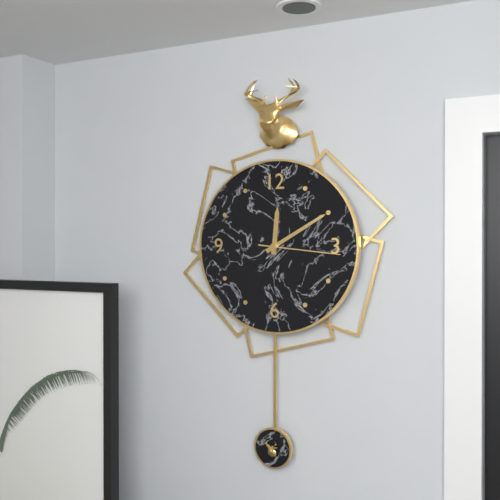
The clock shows h=12 m=10 s=16
